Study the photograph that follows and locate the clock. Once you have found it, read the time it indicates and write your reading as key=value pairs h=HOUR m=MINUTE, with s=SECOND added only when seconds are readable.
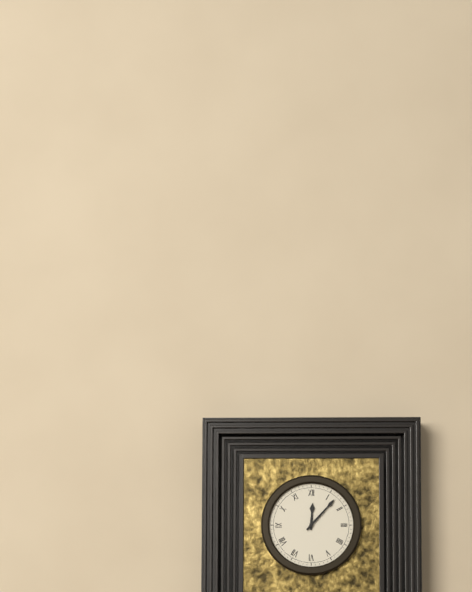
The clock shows h=12 m=7
